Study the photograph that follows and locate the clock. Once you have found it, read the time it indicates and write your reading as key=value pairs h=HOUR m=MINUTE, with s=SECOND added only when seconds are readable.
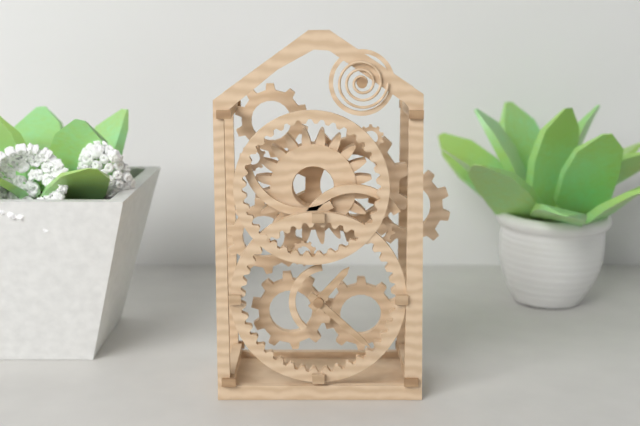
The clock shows h=1 m=22
